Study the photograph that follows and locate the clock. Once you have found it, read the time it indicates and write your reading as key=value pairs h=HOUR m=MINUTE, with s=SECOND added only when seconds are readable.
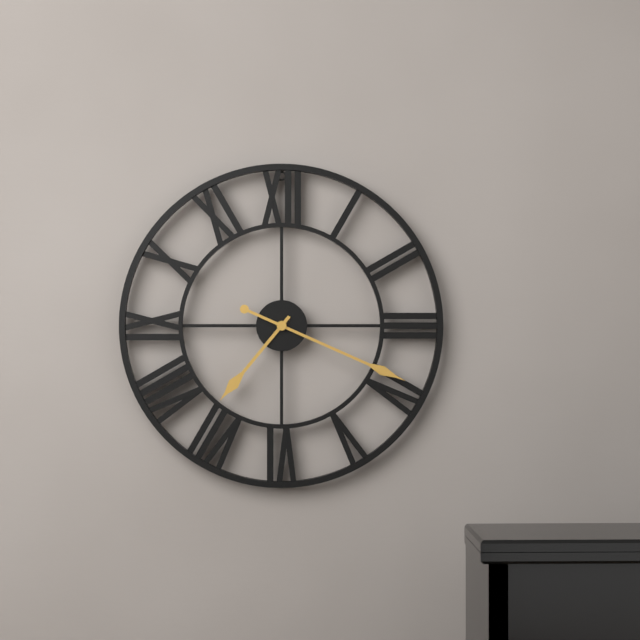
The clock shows h=7 m=19
